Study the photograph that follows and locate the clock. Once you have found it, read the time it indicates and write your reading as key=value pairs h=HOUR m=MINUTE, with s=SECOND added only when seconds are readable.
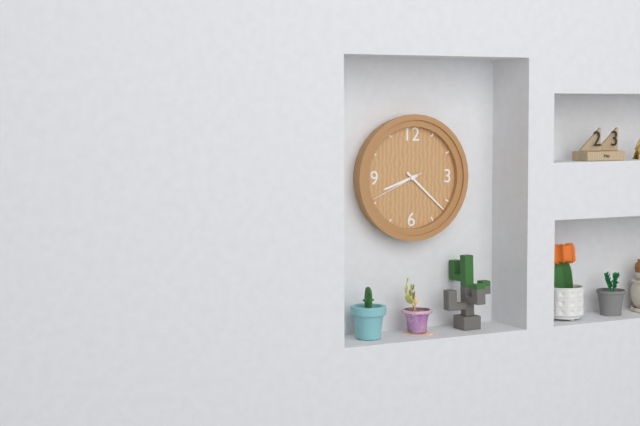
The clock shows h=8 m=22 s=41
